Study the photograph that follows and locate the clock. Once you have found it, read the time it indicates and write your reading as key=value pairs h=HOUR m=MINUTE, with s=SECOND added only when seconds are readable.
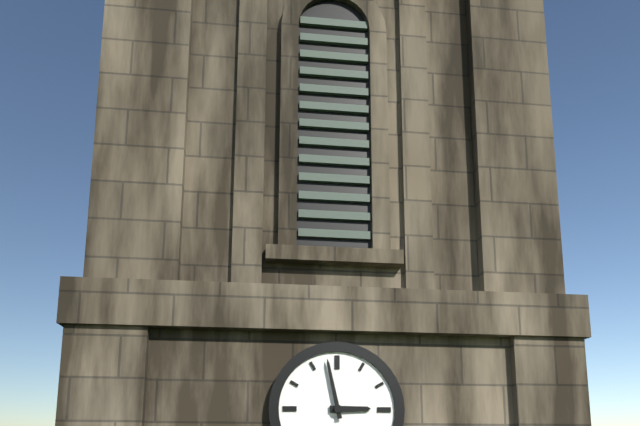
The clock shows h=2 m=58
